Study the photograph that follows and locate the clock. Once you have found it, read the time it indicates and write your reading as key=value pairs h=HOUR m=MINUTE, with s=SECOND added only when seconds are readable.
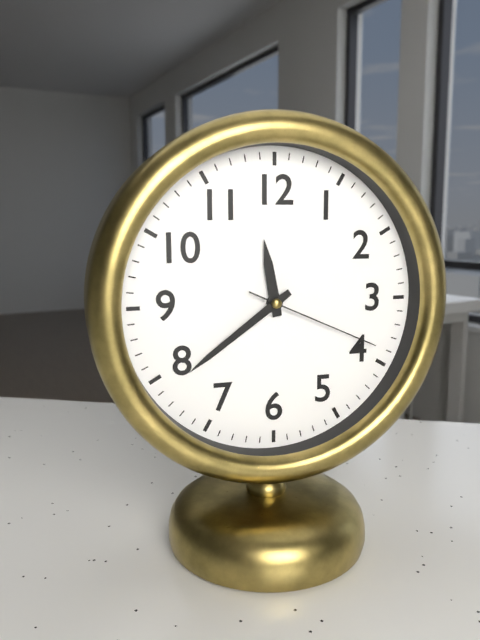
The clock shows h=11 m=39 s=19
